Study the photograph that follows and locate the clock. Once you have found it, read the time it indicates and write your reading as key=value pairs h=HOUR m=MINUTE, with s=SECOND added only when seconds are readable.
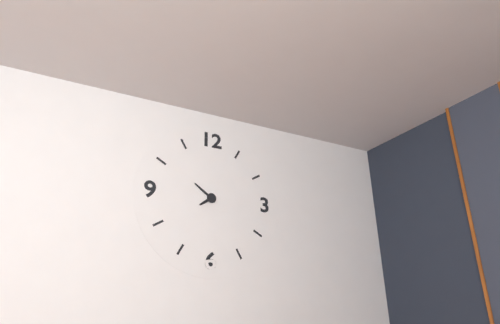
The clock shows h=7 m=51
